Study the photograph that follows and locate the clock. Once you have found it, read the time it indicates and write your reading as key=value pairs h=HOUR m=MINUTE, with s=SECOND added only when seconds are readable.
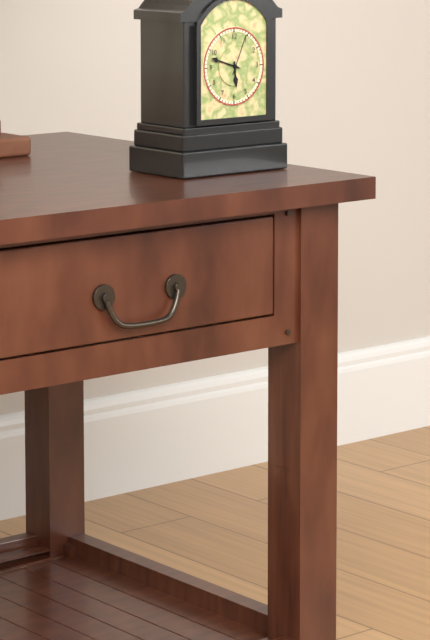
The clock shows h=5 m=48
